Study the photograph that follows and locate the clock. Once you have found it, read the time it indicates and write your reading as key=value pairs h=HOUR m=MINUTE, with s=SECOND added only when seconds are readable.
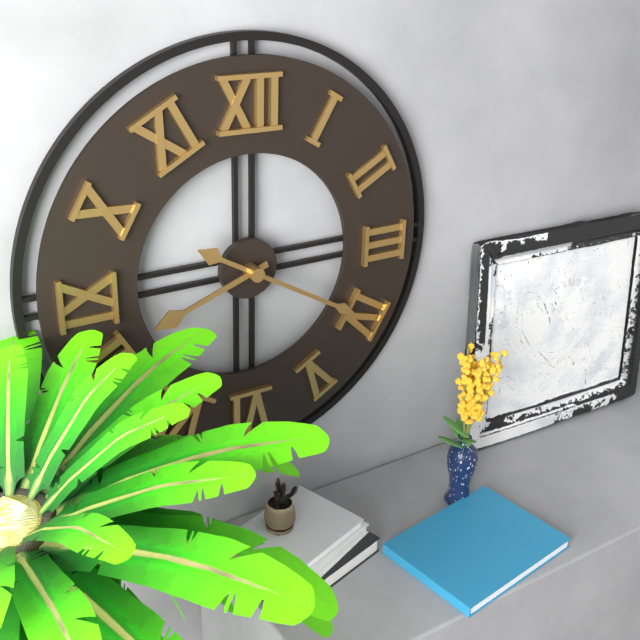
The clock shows h=8 m=20
